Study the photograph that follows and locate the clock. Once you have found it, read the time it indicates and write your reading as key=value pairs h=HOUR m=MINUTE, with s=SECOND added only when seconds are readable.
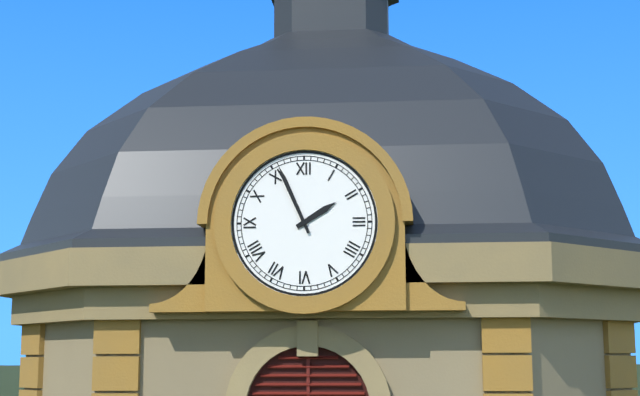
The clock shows h=1 m=56
